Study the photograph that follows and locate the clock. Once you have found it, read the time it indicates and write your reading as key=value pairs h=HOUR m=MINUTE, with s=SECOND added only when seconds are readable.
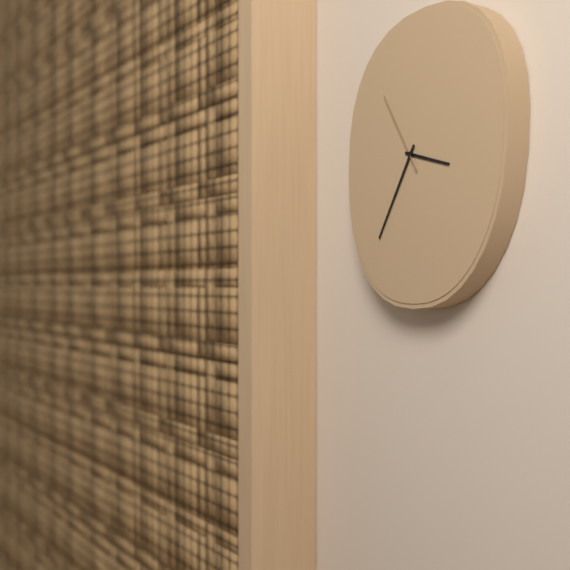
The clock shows h=3 m=35 s=55
